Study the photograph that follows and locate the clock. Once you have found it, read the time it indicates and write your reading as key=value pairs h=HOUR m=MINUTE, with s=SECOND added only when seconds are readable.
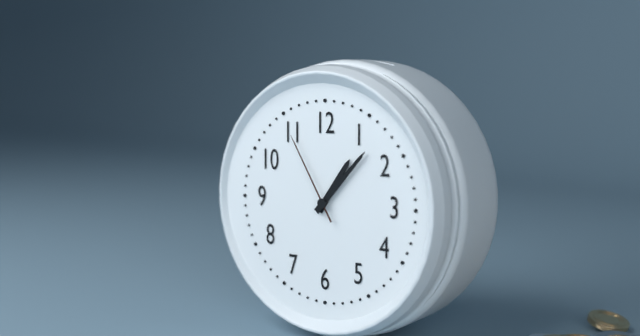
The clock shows h=1 m=7 s=55
